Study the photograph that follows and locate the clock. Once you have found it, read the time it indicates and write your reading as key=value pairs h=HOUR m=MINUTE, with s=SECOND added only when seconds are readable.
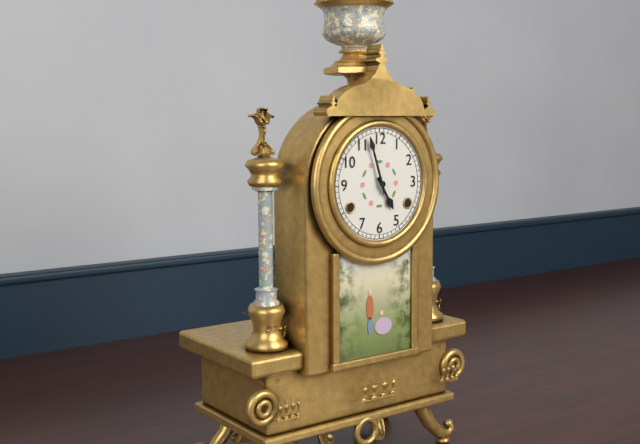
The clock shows h=4 m=57
